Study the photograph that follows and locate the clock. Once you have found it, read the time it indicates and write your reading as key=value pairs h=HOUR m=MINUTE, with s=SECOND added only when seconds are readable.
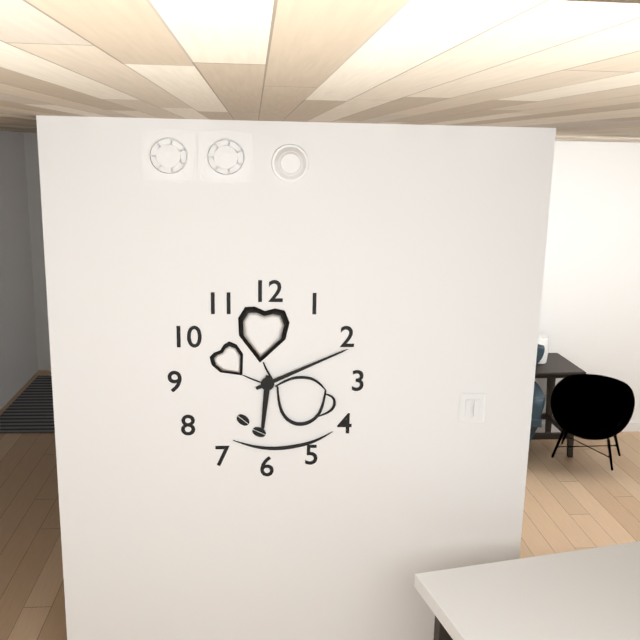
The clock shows h=6 m=11
